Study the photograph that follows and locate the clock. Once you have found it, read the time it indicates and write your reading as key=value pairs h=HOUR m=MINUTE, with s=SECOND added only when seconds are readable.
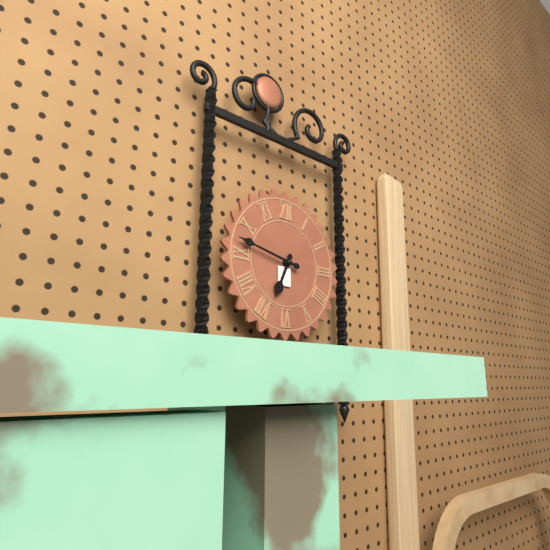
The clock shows h=6 m=47
